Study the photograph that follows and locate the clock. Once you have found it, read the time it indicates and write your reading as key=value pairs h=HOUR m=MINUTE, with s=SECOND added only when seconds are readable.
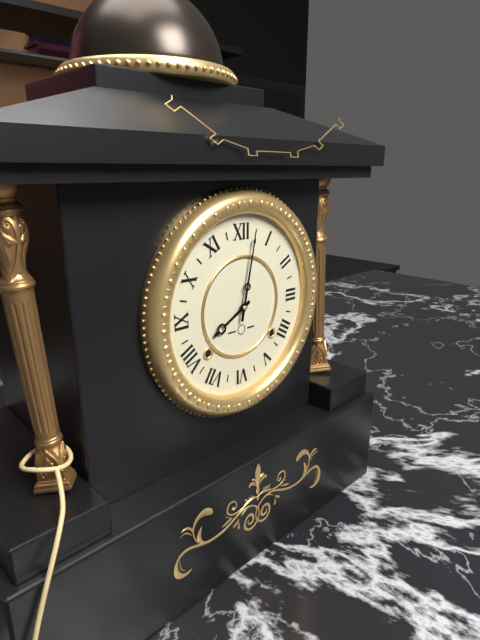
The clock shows h=8 m=2
